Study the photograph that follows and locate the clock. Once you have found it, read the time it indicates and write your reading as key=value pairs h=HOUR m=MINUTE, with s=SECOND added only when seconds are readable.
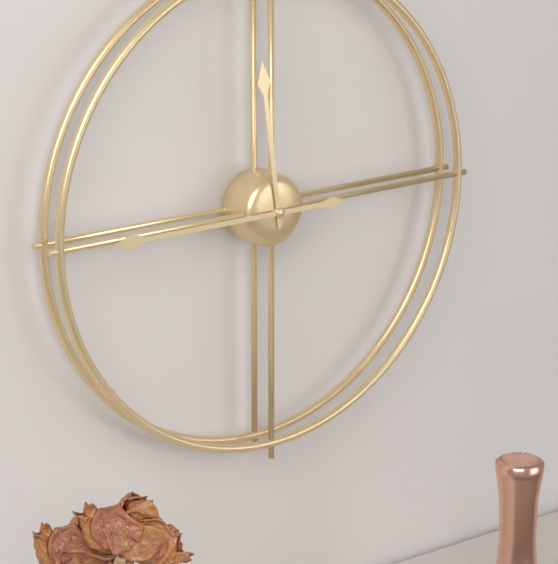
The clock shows h=11 m=45
